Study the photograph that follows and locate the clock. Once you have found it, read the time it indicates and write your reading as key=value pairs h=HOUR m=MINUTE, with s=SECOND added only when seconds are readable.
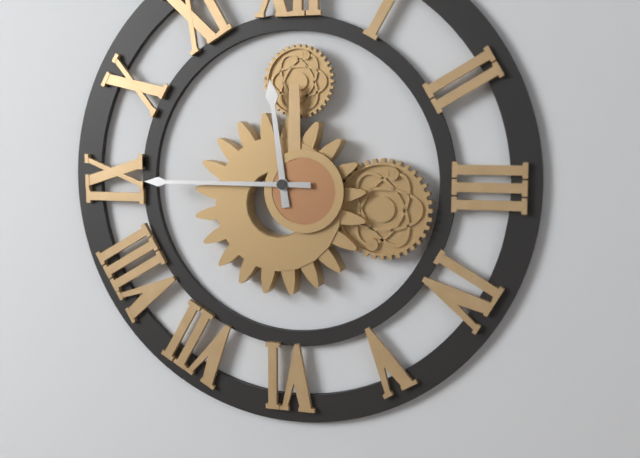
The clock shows h=11 m=45
